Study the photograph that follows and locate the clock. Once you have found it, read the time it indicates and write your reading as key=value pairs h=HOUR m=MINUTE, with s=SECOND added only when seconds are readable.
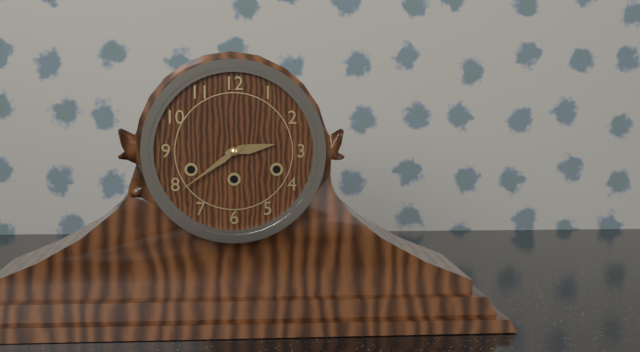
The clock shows h=2 m=39
